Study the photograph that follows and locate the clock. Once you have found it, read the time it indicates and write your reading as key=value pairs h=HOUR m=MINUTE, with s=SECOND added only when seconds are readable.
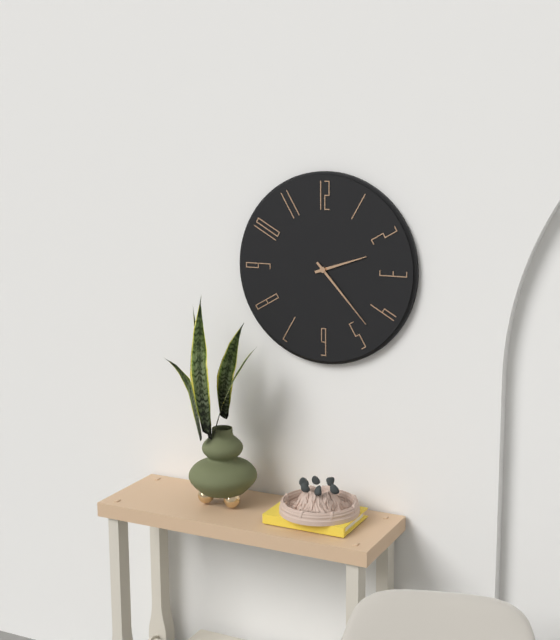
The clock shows h=2 m=23
